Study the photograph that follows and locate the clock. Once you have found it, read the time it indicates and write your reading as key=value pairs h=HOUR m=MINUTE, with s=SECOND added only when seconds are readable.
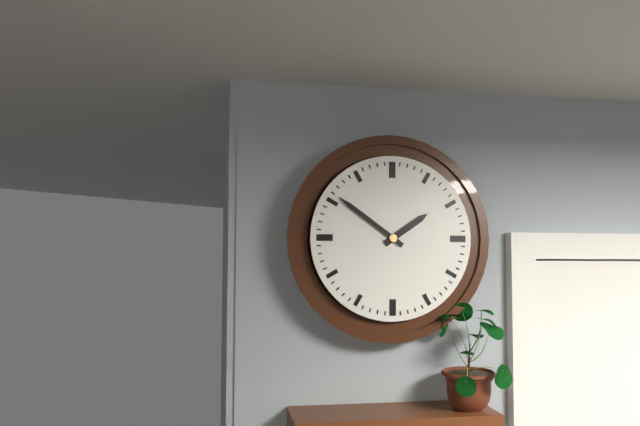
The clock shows h=1 m=51
